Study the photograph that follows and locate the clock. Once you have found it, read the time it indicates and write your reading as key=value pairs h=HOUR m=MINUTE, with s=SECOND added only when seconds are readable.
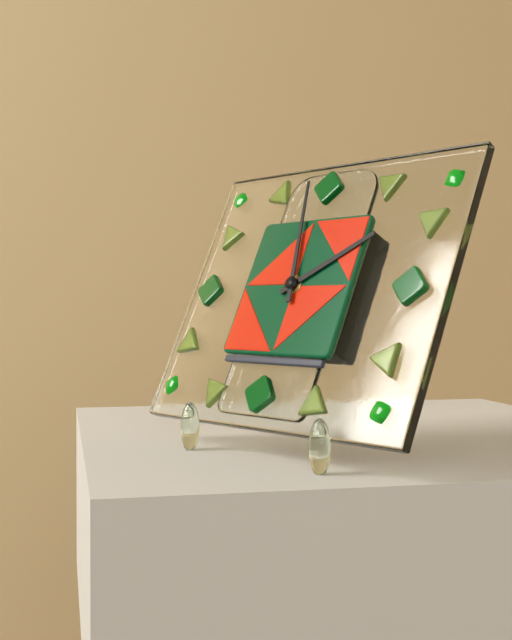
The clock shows h=1 m=58
